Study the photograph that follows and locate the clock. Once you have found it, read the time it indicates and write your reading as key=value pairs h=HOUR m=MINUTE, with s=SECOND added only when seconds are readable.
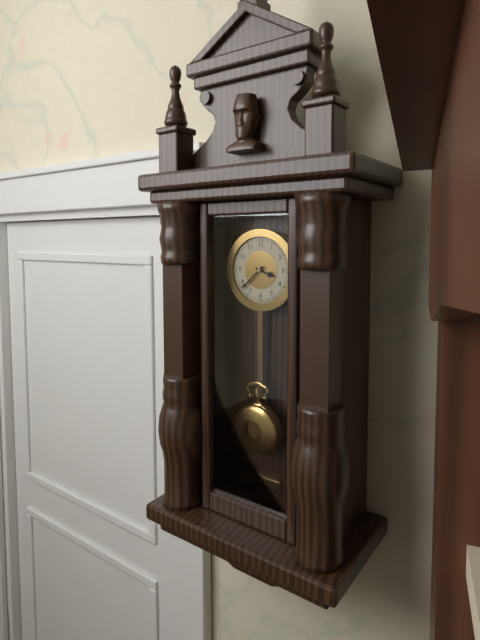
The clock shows h=3 m=38
